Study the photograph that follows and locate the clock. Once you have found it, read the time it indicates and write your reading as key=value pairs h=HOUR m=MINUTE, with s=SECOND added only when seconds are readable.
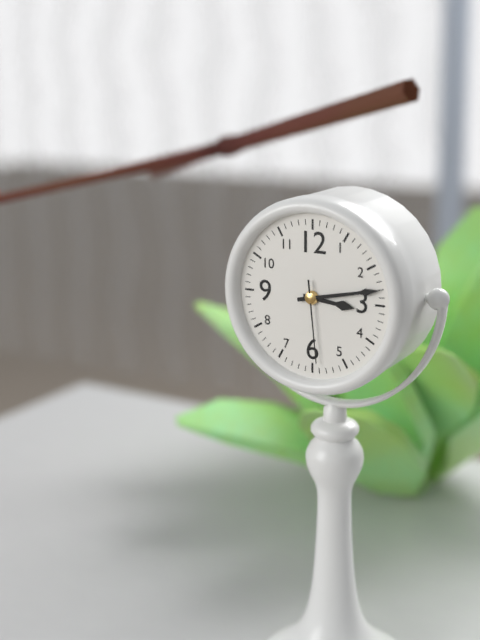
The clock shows h=3 m=13 s=29
